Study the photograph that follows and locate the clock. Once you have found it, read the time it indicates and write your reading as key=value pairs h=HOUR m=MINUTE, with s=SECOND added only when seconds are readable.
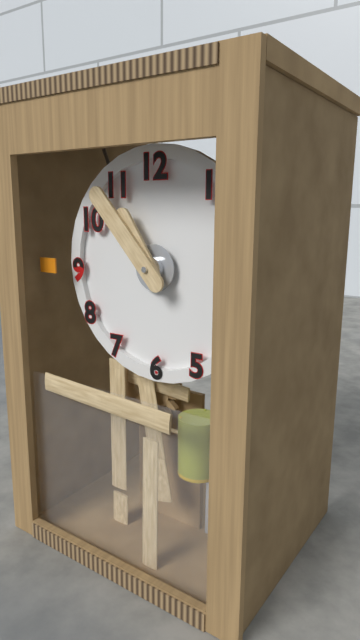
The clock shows h=10 m=53
